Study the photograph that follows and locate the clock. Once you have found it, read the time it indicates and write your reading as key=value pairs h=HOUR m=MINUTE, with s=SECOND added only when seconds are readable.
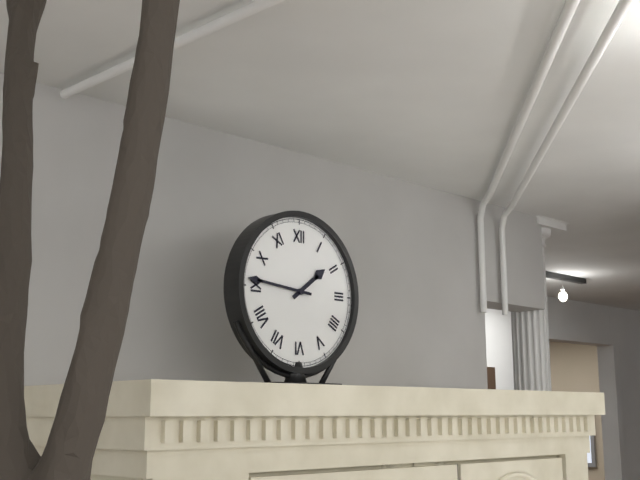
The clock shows h=1 m=46
